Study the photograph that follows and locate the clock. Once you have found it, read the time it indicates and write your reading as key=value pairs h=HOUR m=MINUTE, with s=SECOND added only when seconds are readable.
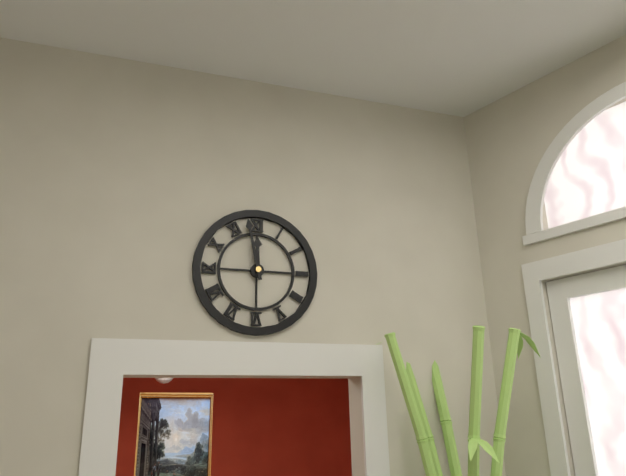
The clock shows h=11 m=58
